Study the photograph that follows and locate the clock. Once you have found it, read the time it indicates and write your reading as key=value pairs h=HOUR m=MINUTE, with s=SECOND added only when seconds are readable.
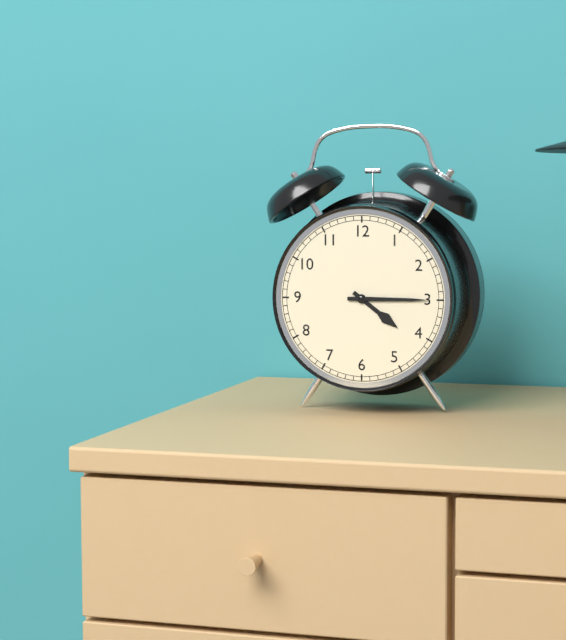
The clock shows h=4 m=15
